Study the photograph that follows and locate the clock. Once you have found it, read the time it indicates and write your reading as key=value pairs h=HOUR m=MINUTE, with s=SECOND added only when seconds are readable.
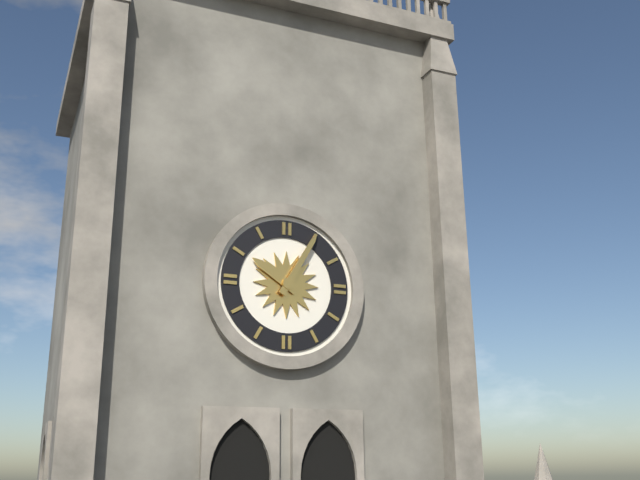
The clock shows h=10 m=5
